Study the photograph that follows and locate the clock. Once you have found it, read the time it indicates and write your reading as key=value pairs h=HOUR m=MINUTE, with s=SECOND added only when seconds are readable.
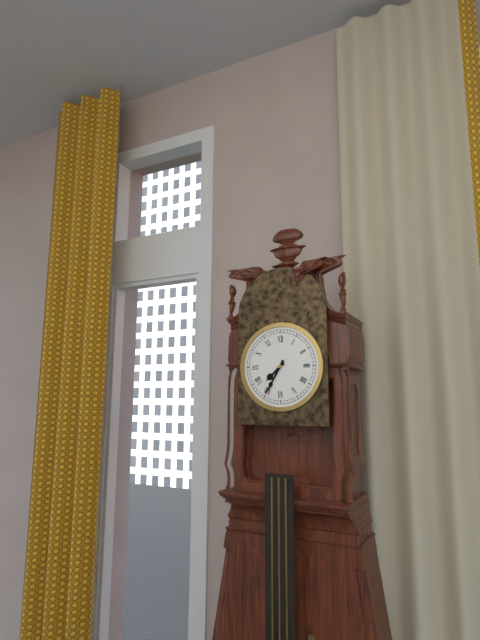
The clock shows h=7 m=35
